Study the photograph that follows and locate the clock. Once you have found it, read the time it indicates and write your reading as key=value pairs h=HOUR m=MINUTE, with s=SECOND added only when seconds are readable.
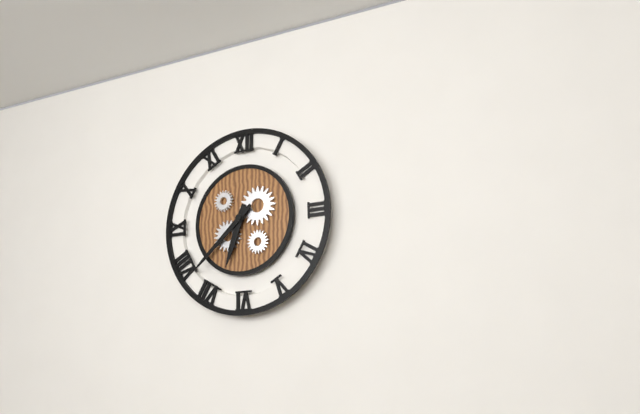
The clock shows h=6 m=38
